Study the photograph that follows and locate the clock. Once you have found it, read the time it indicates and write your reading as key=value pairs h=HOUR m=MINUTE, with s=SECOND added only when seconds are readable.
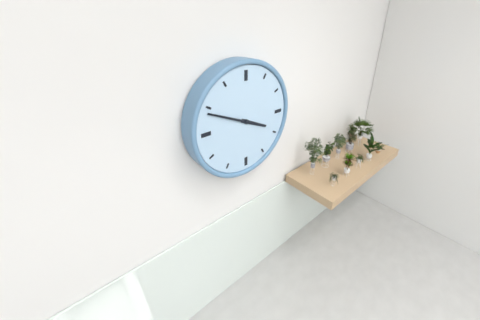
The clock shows h=3 m=49
